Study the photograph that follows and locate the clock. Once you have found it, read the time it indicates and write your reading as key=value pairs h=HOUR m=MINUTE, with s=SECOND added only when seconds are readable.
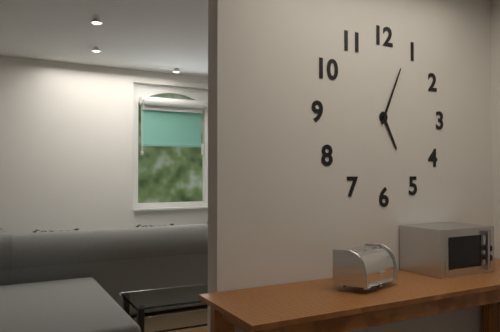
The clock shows h=5 m=4
